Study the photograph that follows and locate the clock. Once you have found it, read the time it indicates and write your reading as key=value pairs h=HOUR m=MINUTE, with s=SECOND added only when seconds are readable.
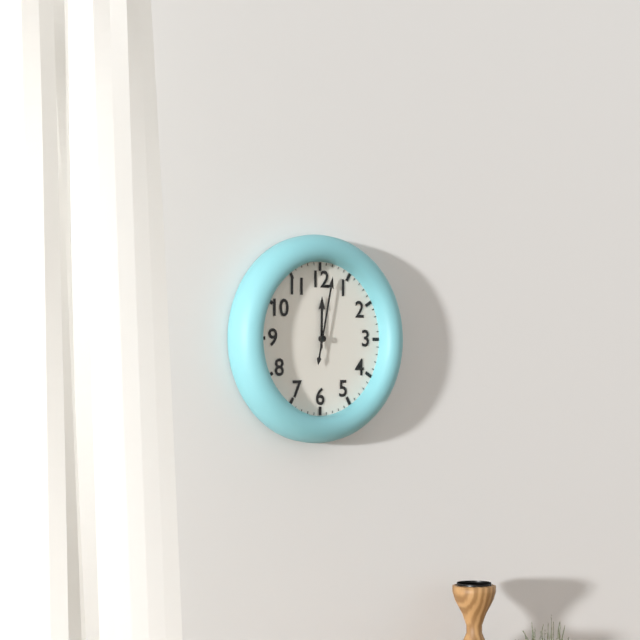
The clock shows h=12 m=2
